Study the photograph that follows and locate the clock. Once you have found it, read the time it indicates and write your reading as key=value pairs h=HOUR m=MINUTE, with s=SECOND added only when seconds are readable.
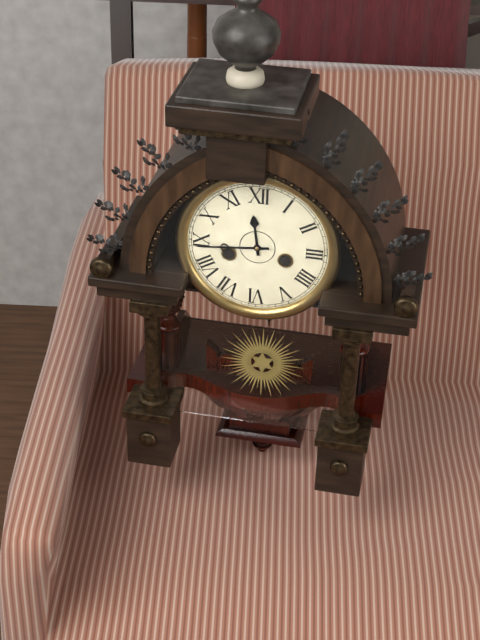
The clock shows h=11 m=44
